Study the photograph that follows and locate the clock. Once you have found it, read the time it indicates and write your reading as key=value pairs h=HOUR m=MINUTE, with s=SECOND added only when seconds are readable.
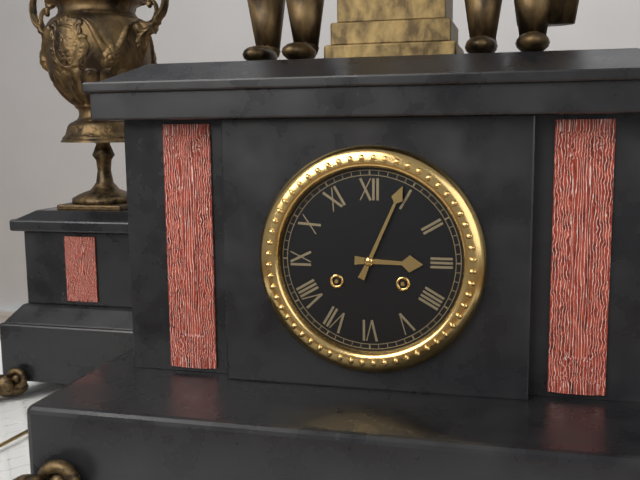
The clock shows h=3 m=4
